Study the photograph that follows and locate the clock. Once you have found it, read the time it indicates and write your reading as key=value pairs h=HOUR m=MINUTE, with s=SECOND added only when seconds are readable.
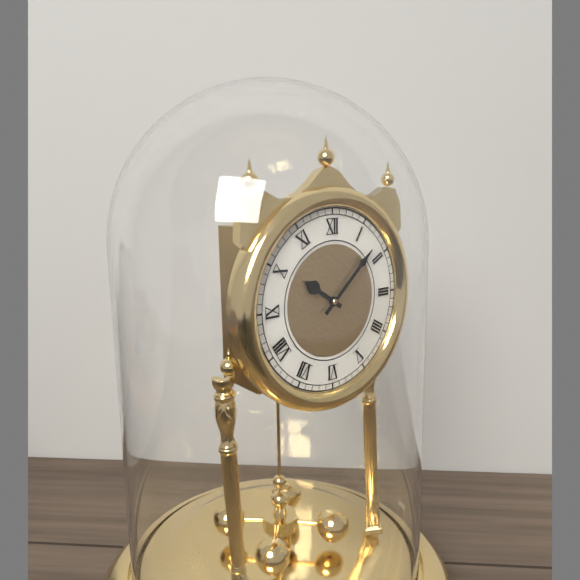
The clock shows h=10 m=8
